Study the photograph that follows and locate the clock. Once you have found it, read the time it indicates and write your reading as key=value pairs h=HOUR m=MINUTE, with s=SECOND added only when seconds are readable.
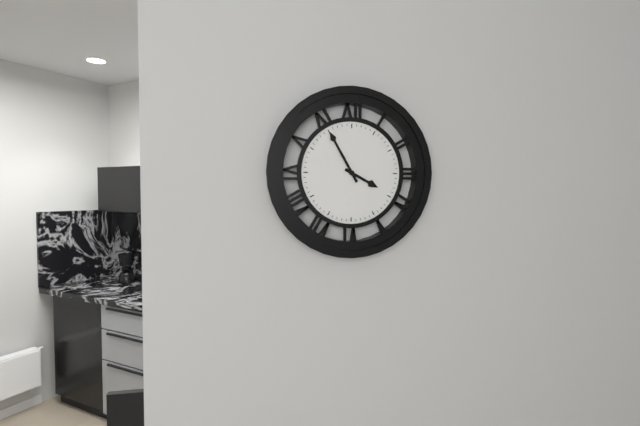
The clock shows h=3 m=55
